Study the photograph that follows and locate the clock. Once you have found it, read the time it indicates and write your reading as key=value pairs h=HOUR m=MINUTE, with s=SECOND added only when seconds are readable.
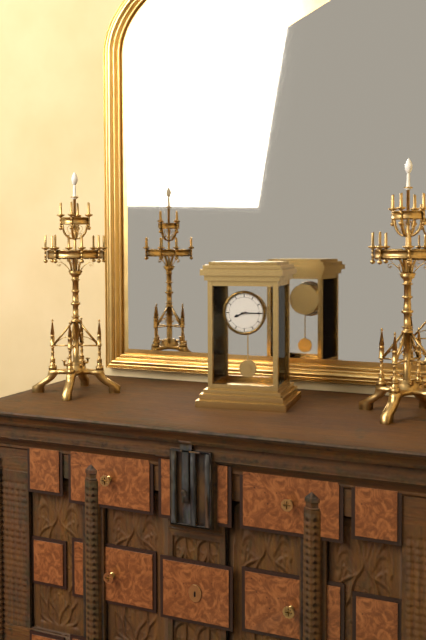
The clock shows h=8 m=15
